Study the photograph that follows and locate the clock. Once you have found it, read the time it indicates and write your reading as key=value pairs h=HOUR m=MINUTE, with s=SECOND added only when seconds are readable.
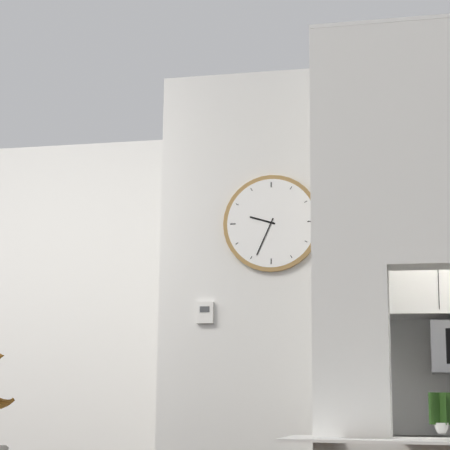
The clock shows h=9 m=34
